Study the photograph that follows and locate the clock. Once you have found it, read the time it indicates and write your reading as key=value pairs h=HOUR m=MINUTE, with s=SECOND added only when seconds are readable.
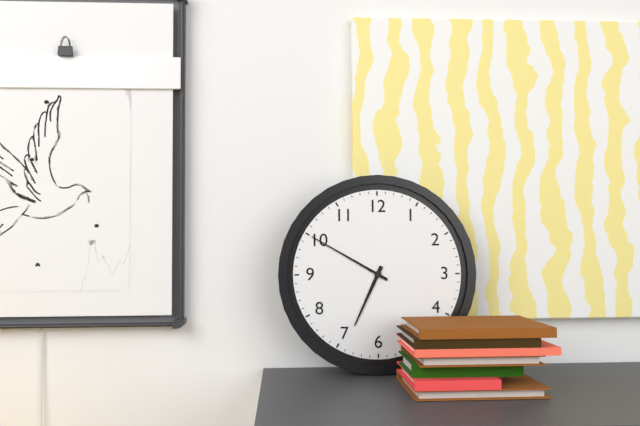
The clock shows h=6 m=50
